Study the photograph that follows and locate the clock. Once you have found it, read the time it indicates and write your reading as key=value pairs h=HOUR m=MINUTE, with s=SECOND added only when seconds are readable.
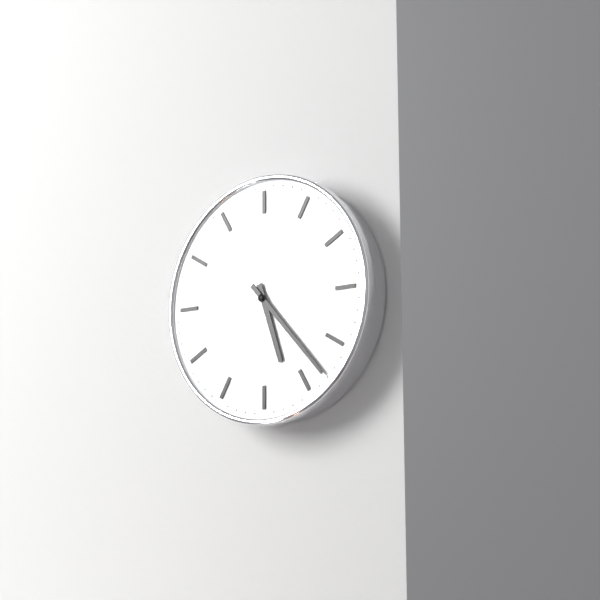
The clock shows h=5 m=23
